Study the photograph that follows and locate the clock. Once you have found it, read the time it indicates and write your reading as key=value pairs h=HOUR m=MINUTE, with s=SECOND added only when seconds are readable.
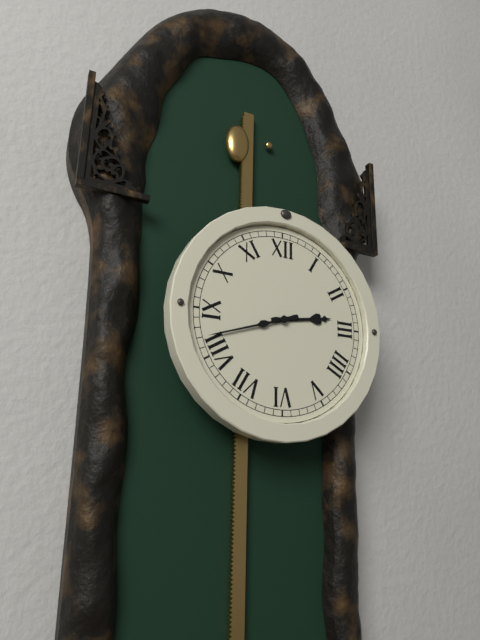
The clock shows h=2 m=42
